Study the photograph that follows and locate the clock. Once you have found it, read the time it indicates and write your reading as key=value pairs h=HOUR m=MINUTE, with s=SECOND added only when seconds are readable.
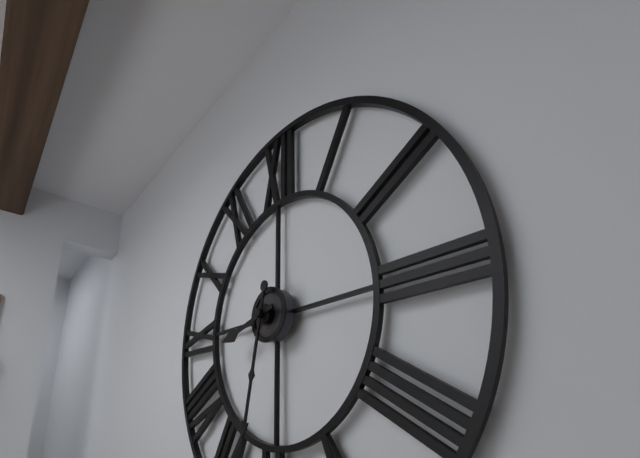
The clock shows h=8 m=32
